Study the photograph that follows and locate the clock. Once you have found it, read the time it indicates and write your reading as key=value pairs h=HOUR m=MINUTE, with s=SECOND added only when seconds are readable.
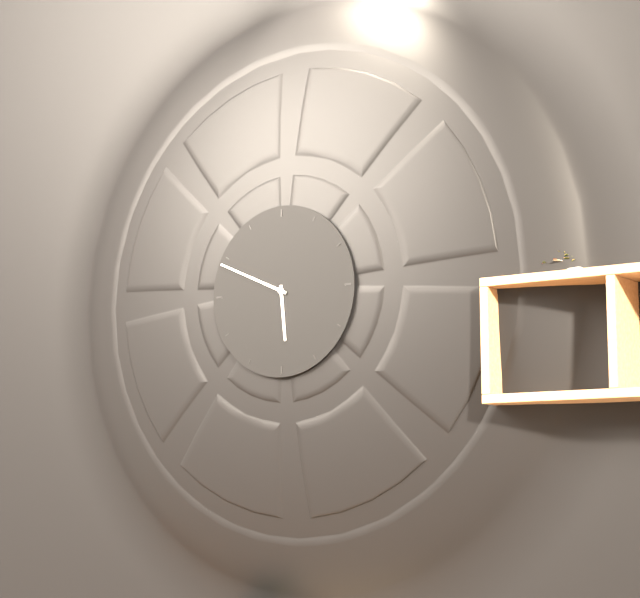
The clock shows h=5 m=49
